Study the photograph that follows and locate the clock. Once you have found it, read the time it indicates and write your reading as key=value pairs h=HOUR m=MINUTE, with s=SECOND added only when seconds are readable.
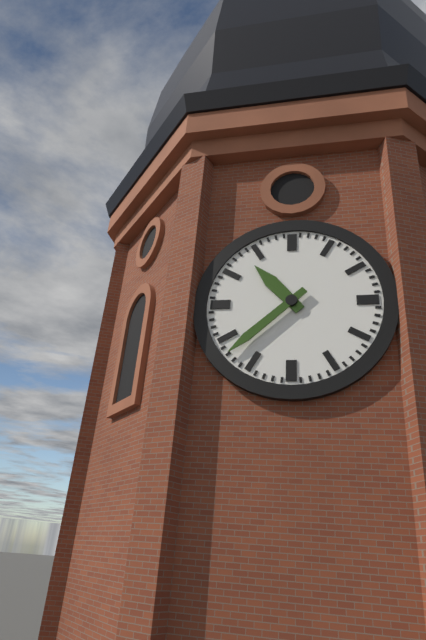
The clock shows h=10 m=38
